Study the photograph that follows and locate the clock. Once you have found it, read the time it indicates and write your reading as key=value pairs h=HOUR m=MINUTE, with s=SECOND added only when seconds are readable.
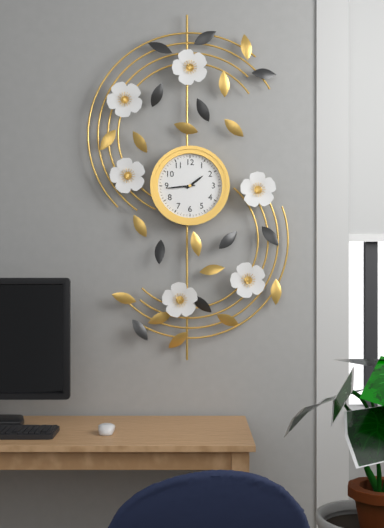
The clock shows h=1 m=44
